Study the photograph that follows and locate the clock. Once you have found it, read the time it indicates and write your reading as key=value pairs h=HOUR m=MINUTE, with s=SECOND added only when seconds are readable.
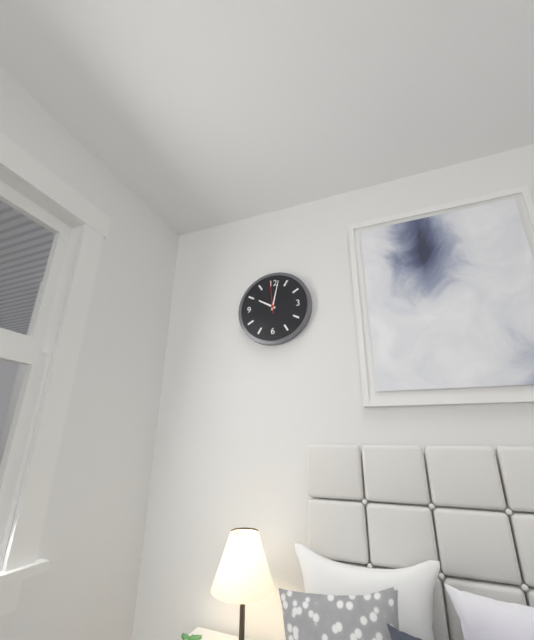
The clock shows h=10 m=2
